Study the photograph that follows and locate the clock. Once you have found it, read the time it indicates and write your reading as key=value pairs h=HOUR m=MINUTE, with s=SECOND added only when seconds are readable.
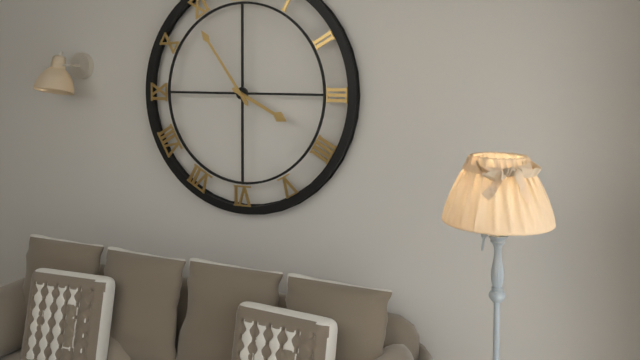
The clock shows h=3 m=54
